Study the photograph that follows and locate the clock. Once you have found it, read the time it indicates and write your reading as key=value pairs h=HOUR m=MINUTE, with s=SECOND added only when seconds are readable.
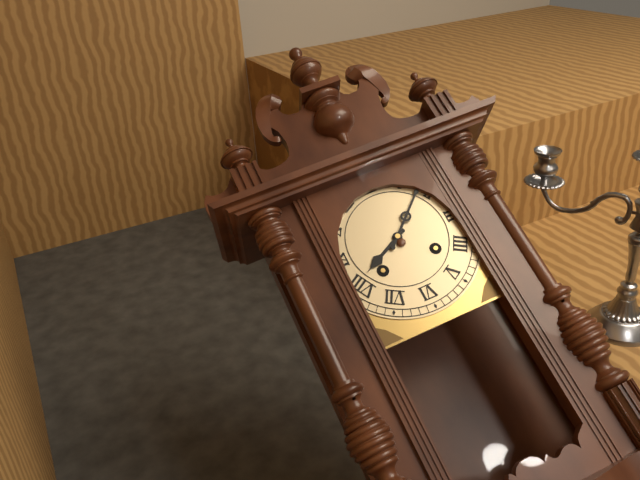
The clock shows h=8 m=8
